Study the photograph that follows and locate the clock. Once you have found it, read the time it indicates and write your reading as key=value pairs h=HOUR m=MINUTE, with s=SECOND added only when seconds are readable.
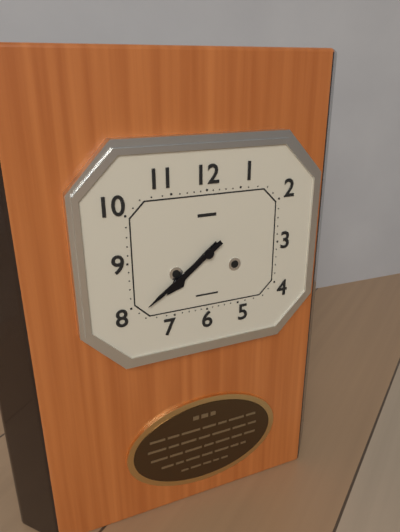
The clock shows h=7 m=39
